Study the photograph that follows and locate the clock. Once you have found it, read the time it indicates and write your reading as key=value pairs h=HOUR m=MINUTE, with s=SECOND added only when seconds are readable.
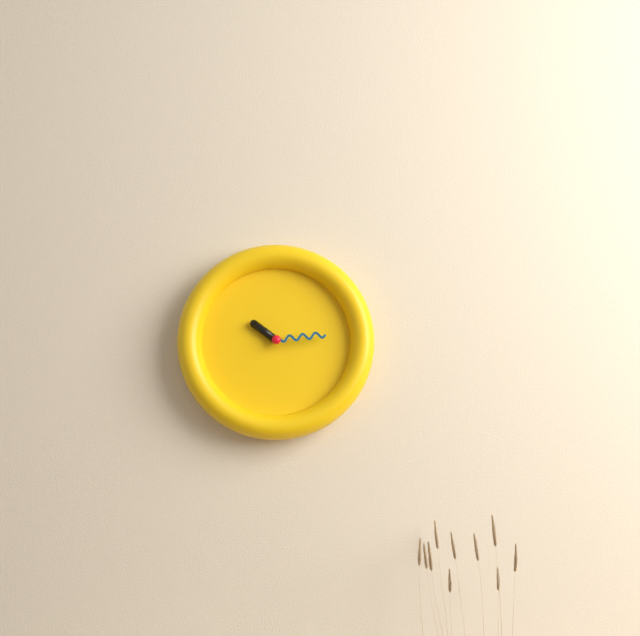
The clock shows h=10 m=14
